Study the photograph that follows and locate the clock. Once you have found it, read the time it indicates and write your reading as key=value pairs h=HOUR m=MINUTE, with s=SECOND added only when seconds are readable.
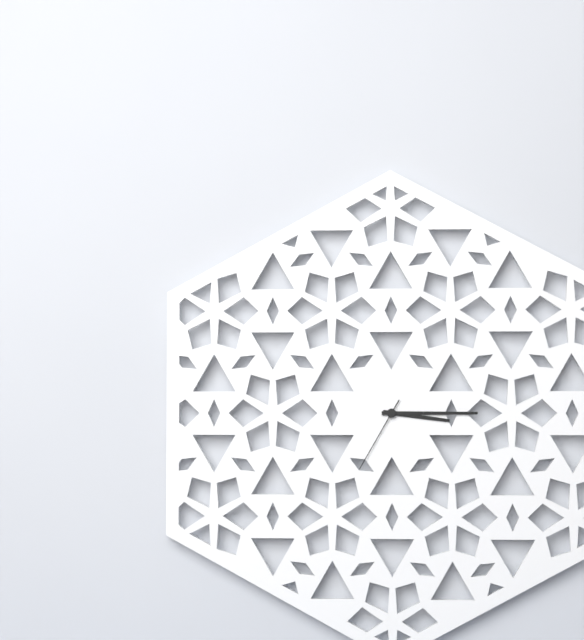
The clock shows h=3 m=15 s=35
